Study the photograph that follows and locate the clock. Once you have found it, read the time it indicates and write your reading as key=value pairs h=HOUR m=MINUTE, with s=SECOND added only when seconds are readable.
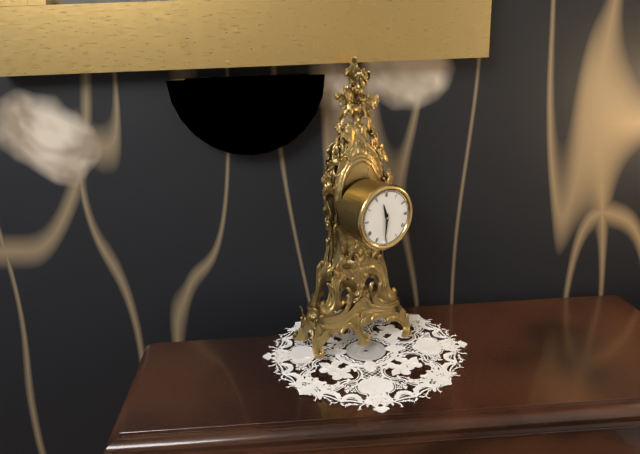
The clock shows h=11 m=31
